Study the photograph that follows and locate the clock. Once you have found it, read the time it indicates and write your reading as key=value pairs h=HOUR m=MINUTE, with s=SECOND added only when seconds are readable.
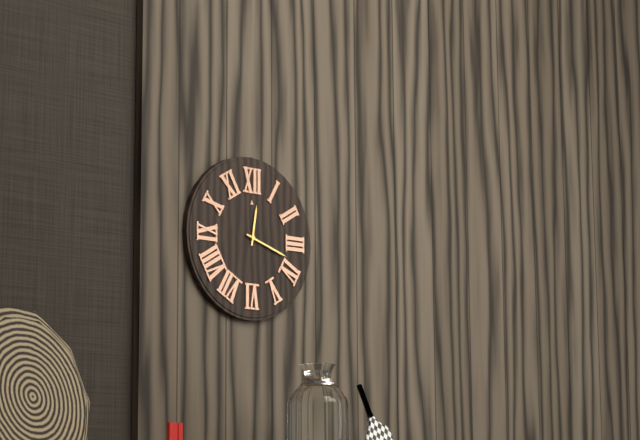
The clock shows h=12 m=18
